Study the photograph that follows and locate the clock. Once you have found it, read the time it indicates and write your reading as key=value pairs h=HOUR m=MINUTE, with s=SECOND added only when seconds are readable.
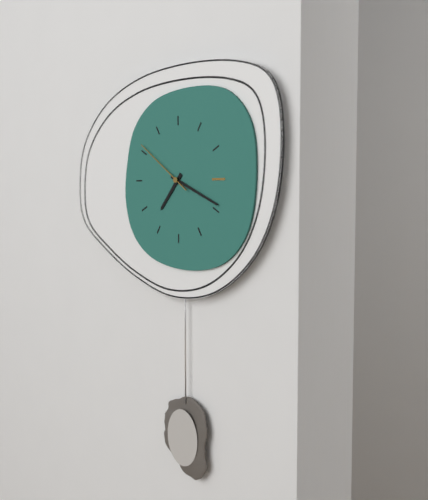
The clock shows h=7 m=19 s=51
